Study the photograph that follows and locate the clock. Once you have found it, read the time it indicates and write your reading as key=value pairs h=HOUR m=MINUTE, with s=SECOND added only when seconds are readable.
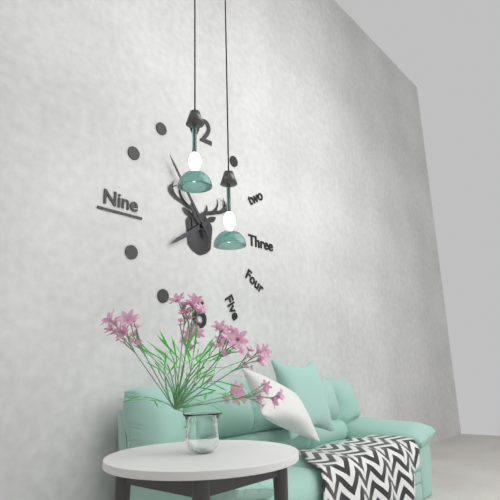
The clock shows h=7 m=54
